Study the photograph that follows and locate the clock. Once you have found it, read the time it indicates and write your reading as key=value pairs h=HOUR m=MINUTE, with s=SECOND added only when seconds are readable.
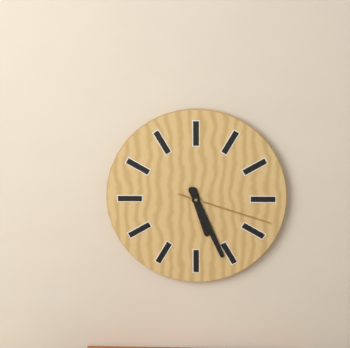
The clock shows h=5 m=26 s=18
